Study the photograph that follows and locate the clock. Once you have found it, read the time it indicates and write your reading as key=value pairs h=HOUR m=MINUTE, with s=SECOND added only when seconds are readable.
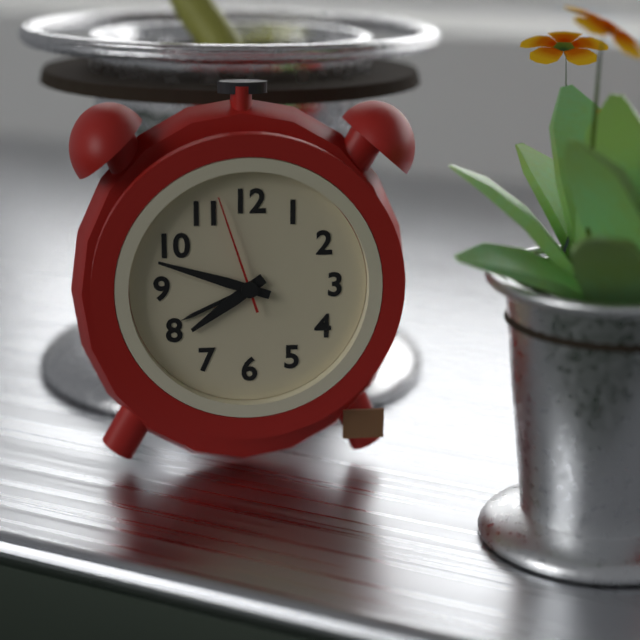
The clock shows h=7 m=48 s=57
